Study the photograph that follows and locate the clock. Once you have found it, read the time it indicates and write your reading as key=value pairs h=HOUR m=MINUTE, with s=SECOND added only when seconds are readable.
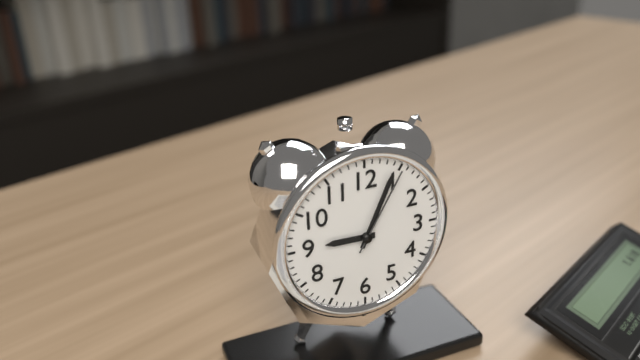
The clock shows h=9 m=4 s=5
